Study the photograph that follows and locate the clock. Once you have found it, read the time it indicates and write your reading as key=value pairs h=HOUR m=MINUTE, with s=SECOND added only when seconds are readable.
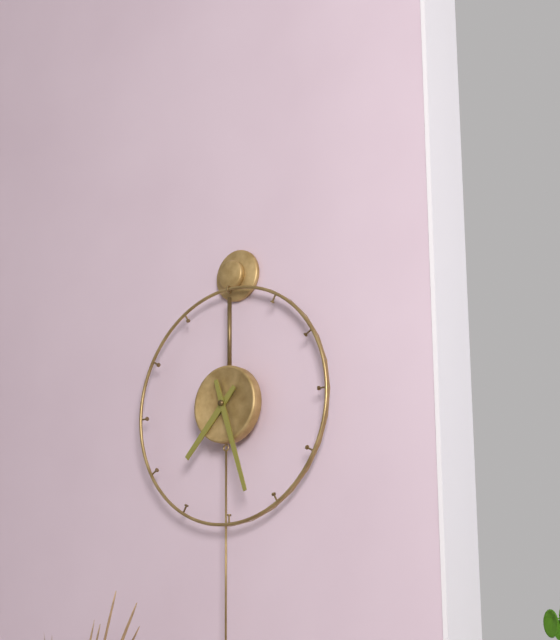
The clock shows h=7 m=27
